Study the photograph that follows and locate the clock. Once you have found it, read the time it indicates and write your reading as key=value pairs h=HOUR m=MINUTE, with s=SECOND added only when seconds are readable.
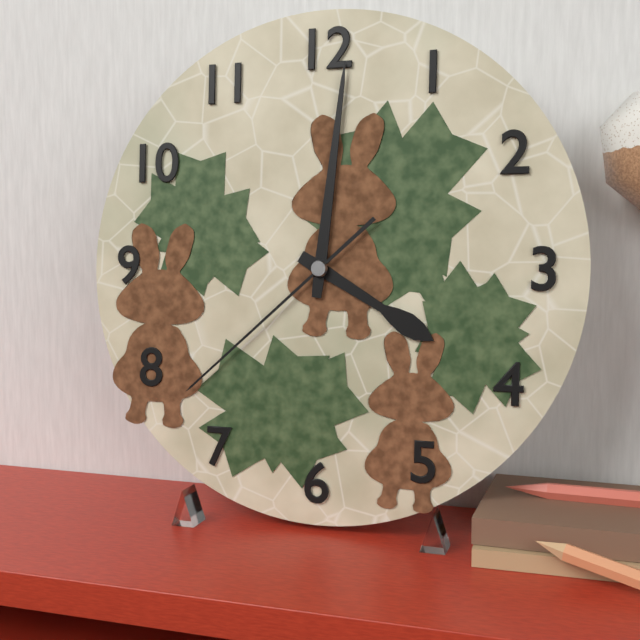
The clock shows h=4 m=1 s=38
